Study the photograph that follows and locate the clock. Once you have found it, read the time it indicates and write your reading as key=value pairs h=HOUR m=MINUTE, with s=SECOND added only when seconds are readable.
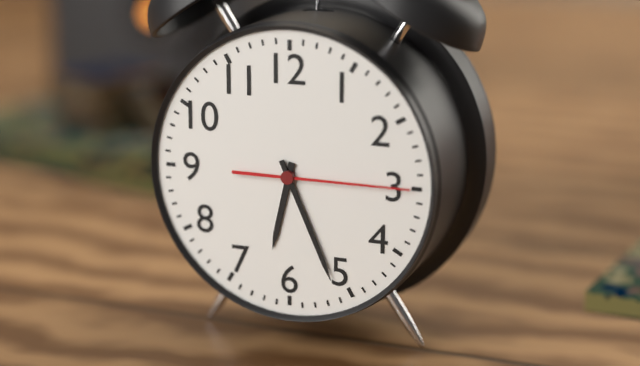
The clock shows h=6 m=26 s=15
